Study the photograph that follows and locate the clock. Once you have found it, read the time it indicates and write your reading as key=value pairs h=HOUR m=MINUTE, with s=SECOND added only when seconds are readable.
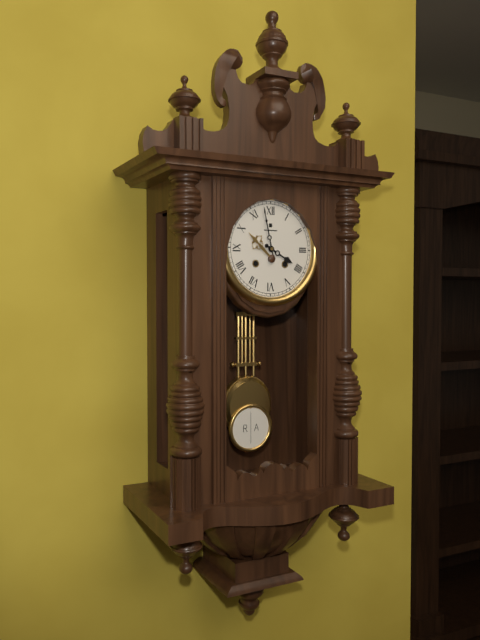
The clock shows h=3 m=58
